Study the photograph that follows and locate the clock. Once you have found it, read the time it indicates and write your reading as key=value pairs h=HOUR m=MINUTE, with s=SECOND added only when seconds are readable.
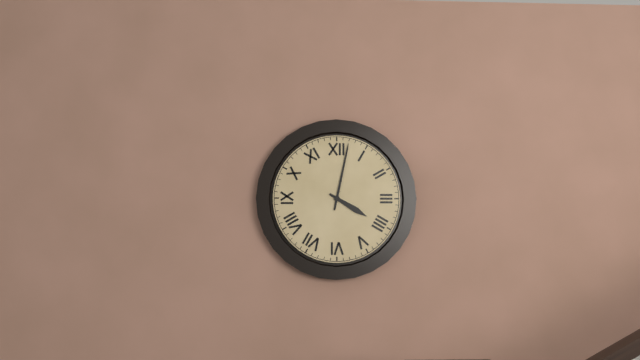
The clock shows h=4 m=2
